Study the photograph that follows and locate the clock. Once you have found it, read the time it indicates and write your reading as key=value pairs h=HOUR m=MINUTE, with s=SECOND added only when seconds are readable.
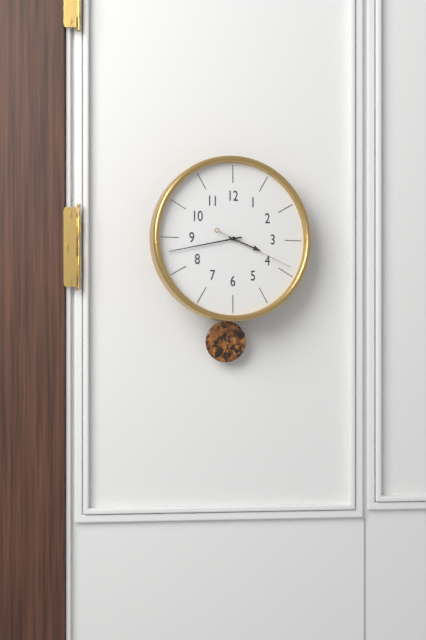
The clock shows h=3 m=43 s=19
